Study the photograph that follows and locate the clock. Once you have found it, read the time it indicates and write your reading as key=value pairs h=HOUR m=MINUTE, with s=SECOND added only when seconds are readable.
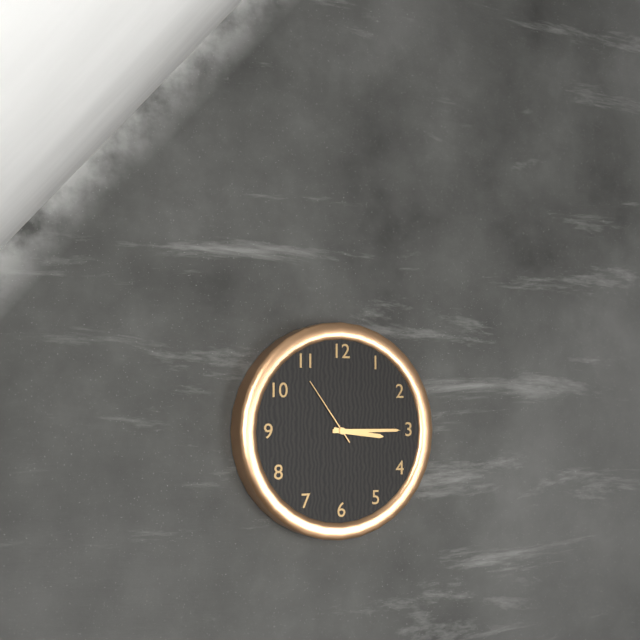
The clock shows h=3 m=15 s=54
